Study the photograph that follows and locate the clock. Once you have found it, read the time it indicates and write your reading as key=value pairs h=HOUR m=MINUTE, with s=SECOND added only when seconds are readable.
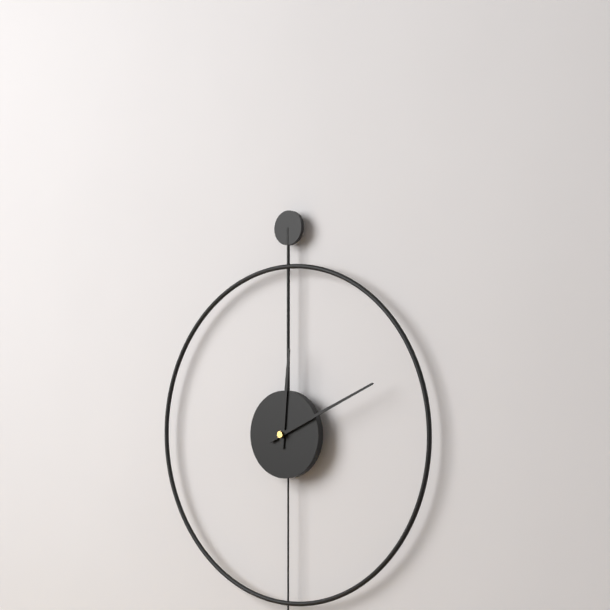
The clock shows h=12 m=11
